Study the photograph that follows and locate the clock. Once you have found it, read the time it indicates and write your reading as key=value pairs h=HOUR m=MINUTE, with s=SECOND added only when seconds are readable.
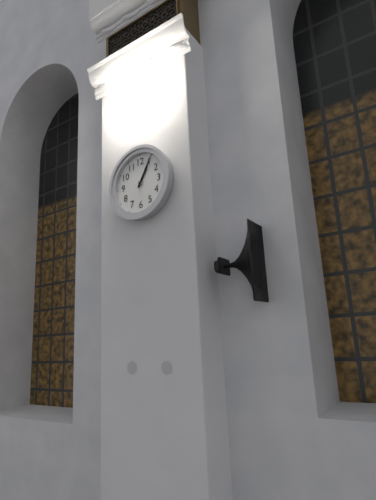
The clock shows h=1 m=5
